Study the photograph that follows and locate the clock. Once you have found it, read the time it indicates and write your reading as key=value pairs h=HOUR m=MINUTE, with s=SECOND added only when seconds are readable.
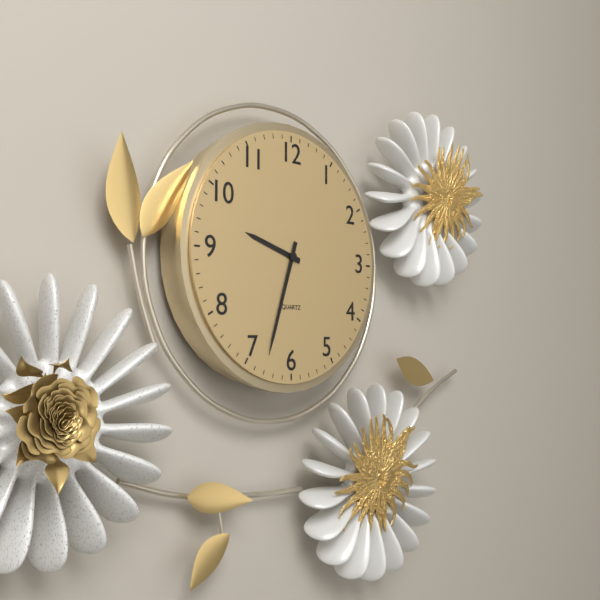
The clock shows h=9 m=33
